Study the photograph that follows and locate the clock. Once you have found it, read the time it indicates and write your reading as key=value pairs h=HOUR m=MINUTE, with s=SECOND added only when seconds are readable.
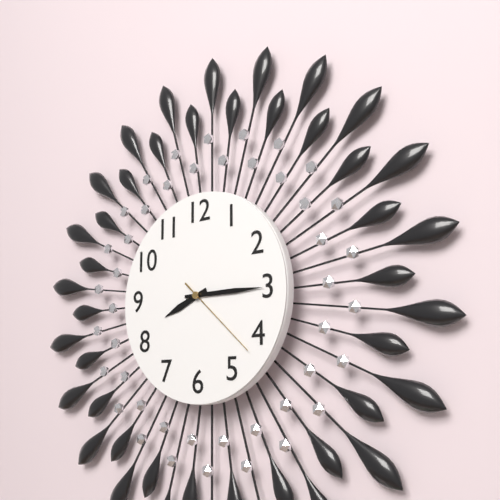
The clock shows h=8 m=15 s=22
